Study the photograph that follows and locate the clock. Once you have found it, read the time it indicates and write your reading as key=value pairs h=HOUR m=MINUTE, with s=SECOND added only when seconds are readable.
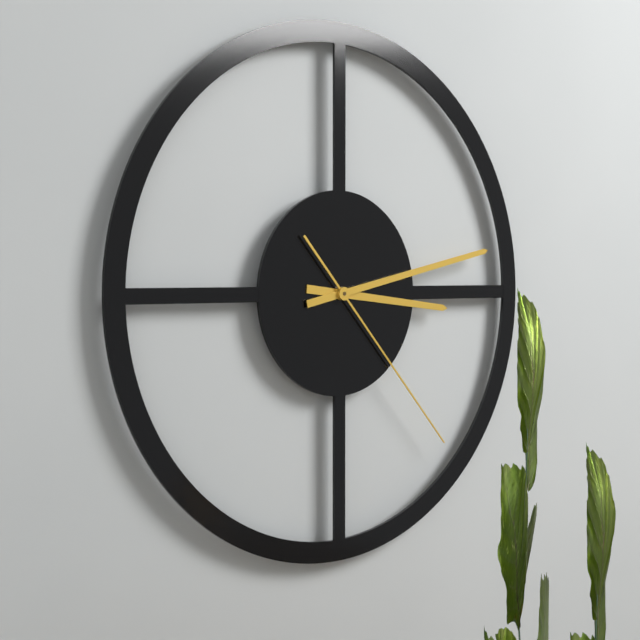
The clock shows h=3 m=13 s=23
